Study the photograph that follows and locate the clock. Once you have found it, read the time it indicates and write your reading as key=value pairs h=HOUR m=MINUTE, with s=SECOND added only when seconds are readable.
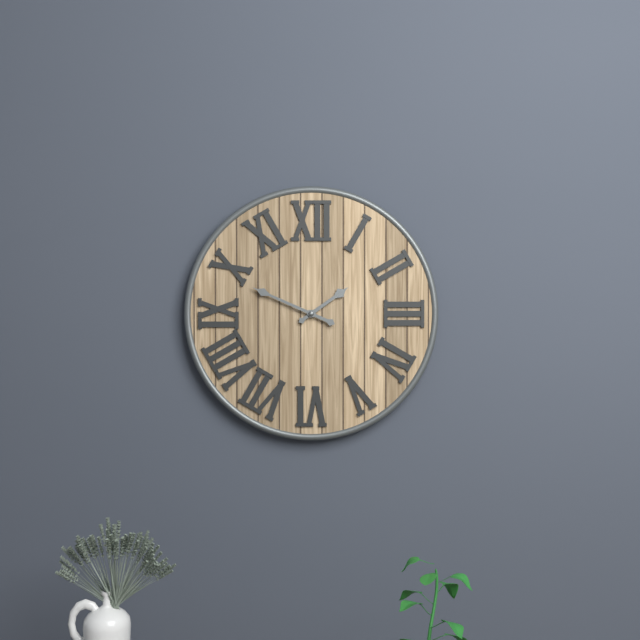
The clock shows h=1 m=49
